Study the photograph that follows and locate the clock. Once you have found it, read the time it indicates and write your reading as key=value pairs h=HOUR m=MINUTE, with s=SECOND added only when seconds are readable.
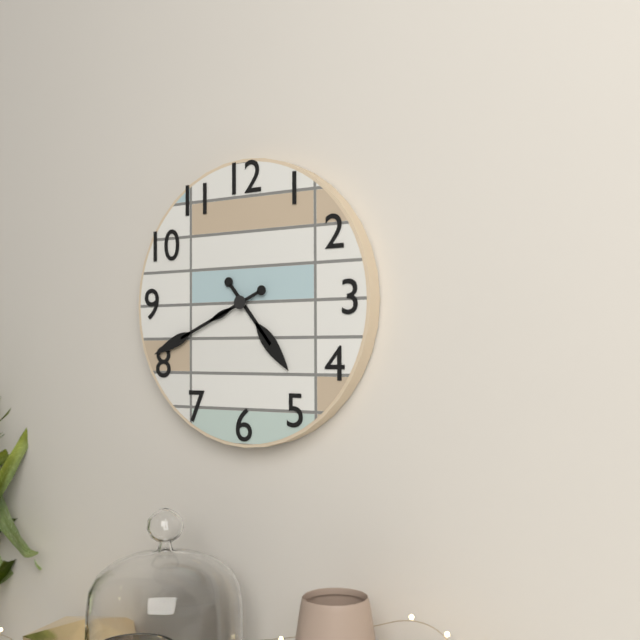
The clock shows h=4 m=41
